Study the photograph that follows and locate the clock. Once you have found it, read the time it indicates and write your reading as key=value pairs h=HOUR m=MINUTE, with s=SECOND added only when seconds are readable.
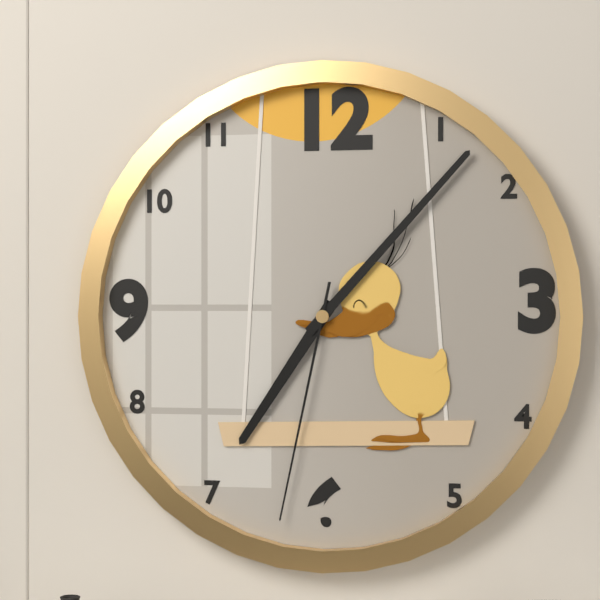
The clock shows h=7 m=7 s=32
